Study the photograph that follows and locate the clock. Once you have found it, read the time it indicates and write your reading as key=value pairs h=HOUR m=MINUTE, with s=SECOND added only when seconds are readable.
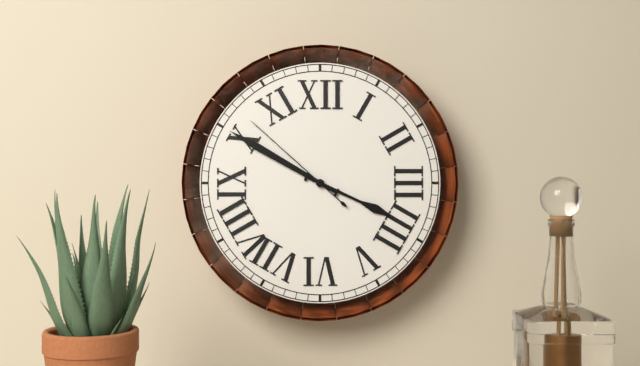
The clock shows h=3 m=50 s=52
